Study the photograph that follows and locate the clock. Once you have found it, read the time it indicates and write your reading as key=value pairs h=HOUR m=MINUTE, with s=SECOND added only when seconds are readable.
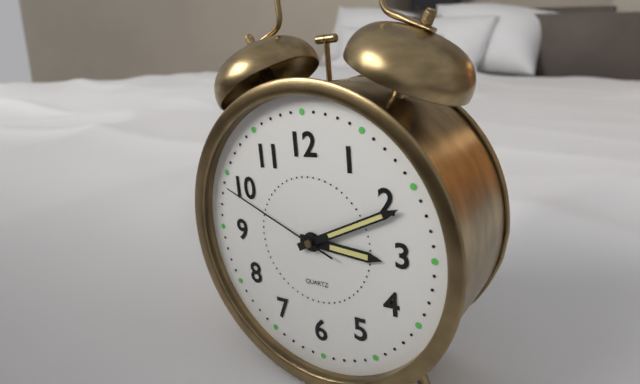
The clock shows h=3 m=11 s=49
